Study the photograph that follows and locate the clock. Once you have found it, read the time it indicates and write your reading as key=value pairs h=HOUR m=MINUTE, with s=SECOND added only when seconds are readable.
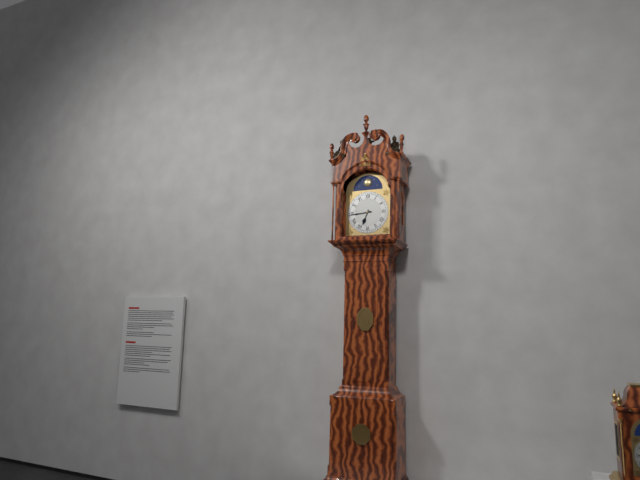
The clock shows h=6 m=44
